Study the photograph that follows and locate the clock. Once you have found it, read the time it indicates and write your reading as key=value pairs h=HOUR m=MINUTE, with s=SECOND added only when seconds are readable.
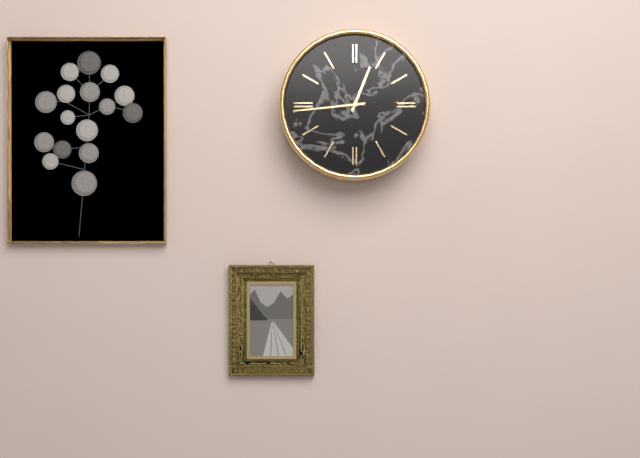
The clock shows h=12 m=44
